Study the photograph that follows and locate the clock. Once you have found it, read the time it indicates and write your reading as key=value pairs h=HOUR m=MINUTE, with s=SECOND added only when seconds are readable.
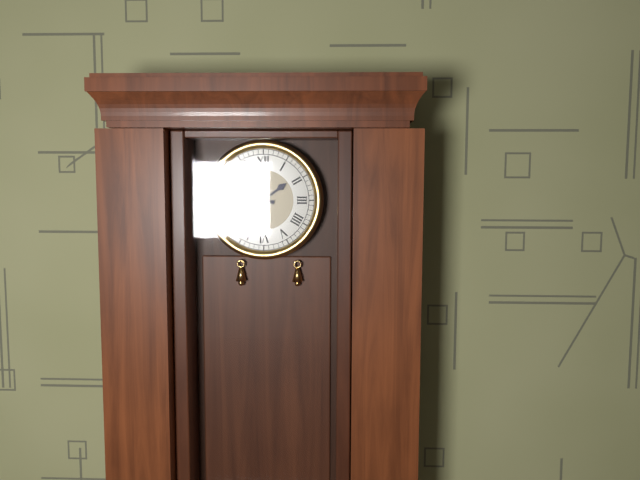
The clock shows h=1 m=47
